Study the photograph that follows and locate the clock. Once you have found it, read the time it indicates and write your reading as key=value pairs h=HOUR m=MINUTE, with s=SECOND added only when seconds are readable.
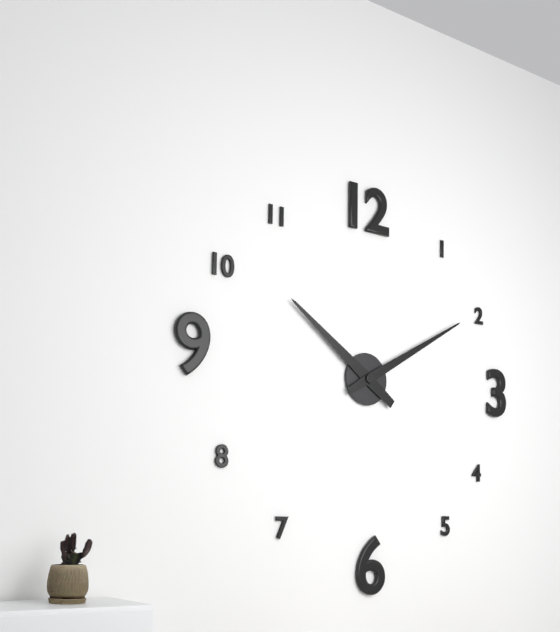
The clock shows h=10 m=10
